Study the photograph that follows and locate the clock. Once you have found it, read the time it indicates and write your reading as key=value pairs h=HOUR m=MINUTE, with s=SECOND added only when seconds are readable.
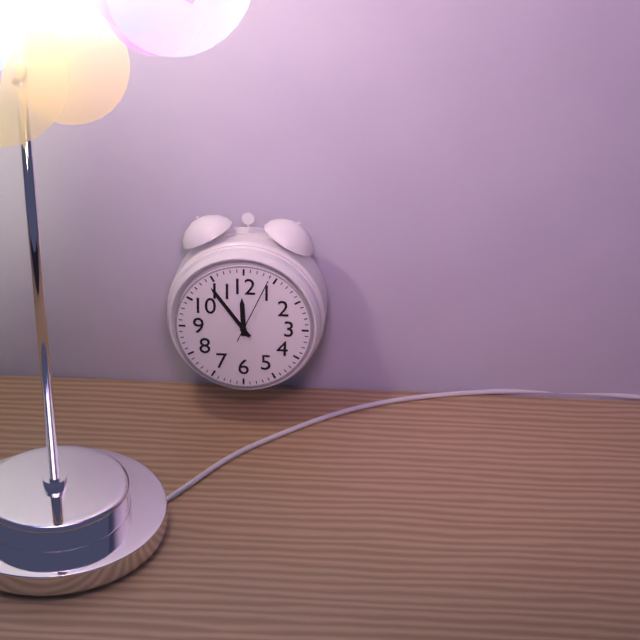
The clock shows h=11 m=54 s=4
